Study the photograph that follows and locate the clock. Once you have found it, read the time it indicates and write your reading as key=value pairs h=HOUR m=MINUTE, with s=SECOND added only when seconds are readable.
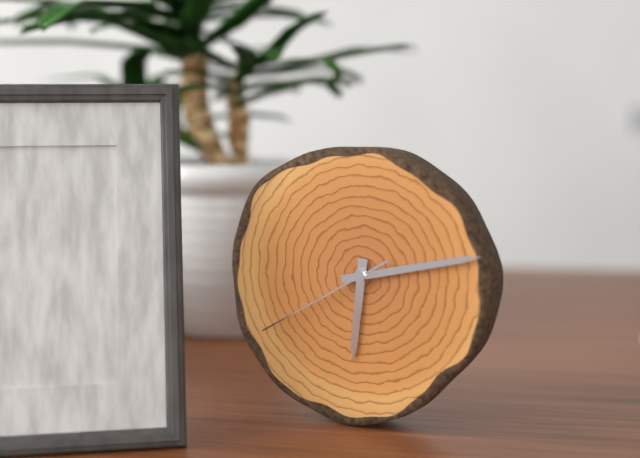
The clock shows h=6 m=13 s=40
